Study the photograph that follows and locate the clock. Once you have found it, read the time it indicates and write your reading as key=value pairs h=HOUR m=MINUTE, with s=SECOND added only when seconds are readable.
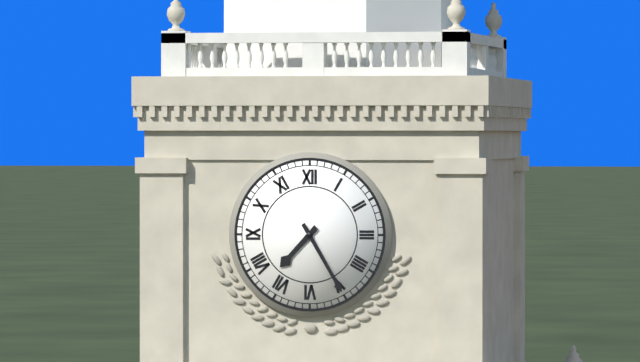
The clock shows h=7 m=25
